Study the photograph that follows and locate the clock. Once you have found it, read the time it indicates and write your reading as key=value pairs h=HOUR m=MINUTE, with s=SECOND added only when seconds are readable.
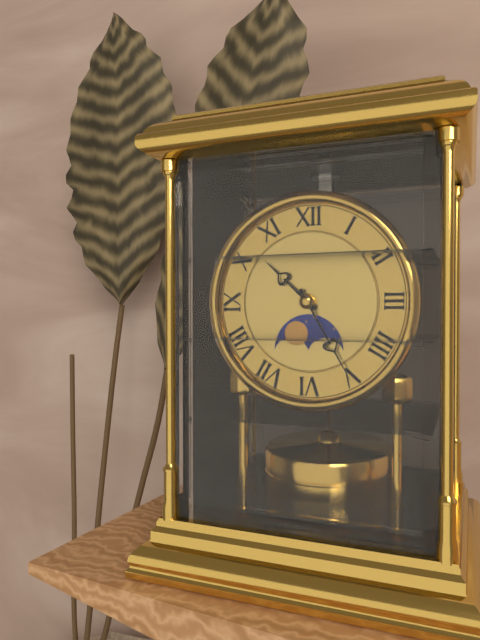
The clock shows h=10 m=25
